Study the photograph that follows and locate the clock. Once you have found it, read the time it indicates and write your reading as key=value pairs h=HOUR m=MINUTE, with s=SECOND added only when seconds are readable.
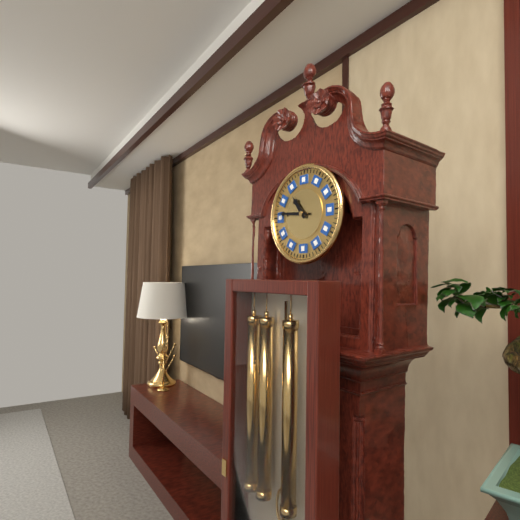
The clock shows h=10 m=46
